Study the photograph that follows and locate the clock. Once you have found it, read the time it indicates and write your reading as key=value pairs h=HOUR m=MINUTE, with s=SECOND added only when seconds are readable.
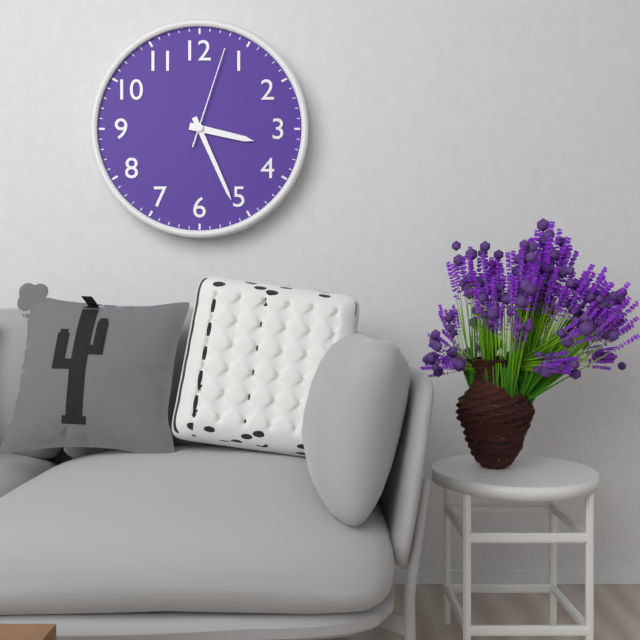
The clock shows h=3 m=26 s=3
